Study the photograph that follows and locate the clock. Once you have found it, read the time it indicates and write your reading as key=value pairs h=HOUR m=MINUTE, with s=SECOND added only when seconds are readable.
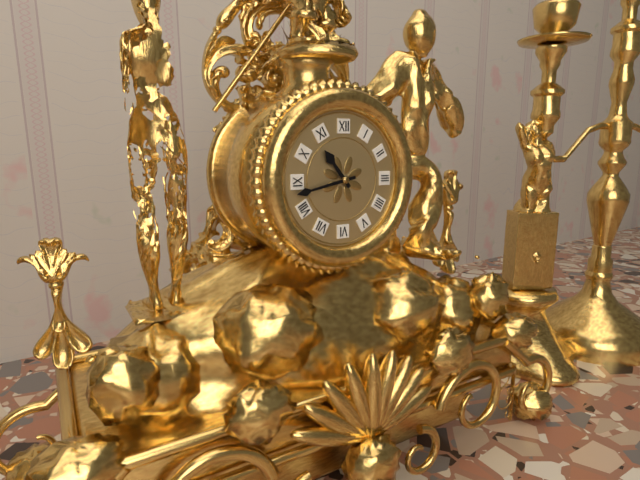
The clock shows h=10 m=43
